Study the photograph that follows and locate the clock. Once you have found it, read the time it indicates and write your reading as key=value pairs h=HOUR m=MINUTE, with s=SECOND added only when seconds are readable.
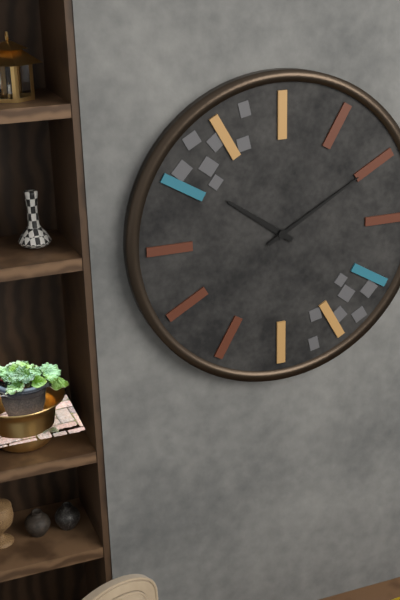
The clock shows h=10 m=10
